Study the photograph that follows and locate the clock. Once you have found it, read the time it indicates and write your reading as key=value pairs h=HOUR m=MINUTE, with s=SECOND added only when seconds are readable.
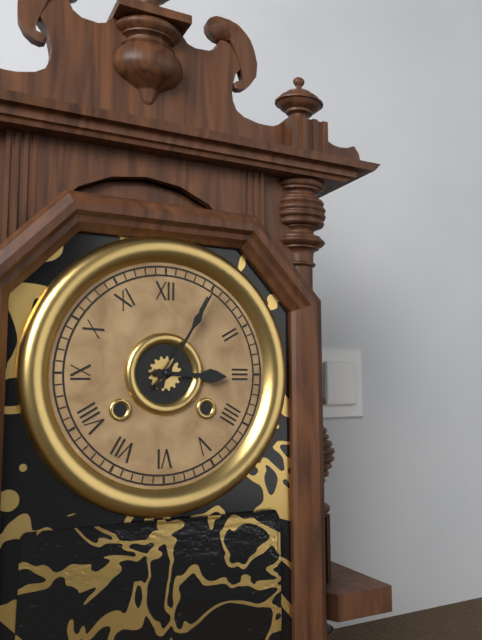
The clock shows h=3 m=5
